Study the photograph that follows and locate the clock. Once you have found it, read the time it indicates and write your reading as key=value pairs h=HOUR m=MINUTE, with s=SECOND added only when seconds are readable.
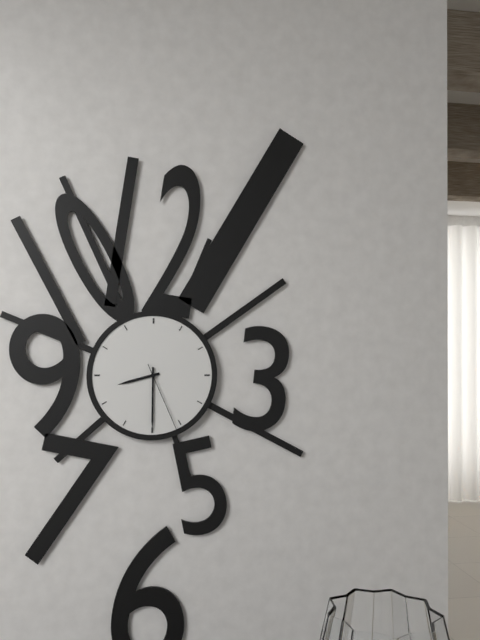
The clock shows h=8 m=30 s=26
